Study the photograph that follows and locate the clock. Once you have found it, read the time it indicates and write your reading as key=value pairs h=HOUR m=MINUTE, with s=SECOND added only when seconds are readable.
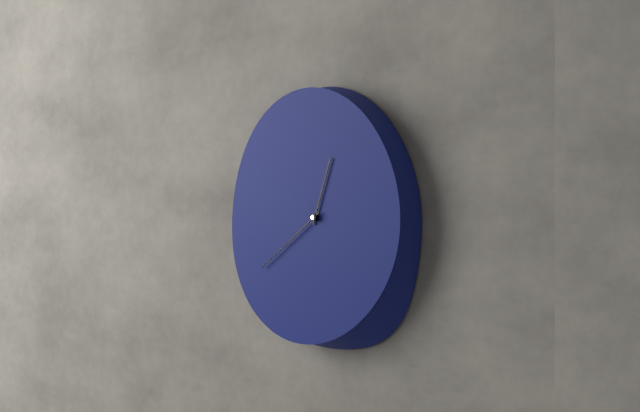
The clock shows h=12 m=39
